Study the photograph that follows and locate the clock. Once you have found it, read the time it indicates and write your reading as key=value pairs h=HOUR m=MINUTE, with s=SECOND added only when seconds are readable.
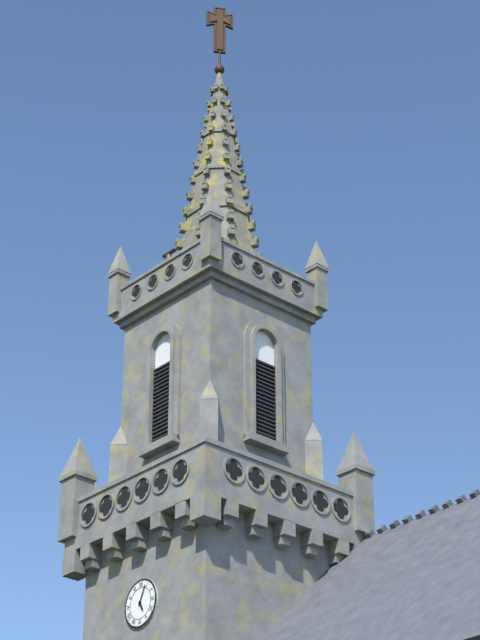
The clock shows h=5 m=4
